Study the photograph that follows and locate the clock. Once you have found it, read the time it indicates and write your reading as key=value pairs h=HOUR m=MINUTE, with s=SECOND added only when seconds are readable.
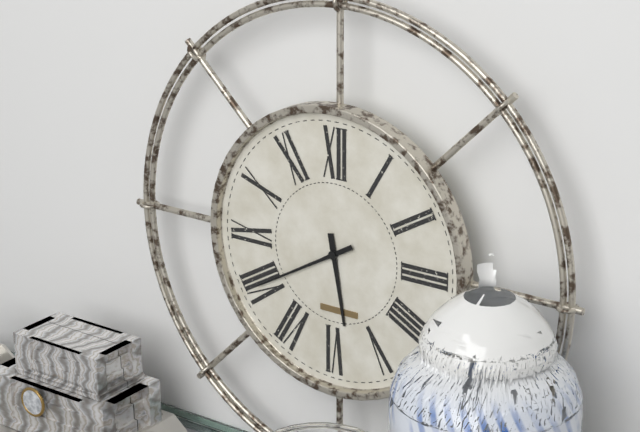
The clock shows h=5 m=40
